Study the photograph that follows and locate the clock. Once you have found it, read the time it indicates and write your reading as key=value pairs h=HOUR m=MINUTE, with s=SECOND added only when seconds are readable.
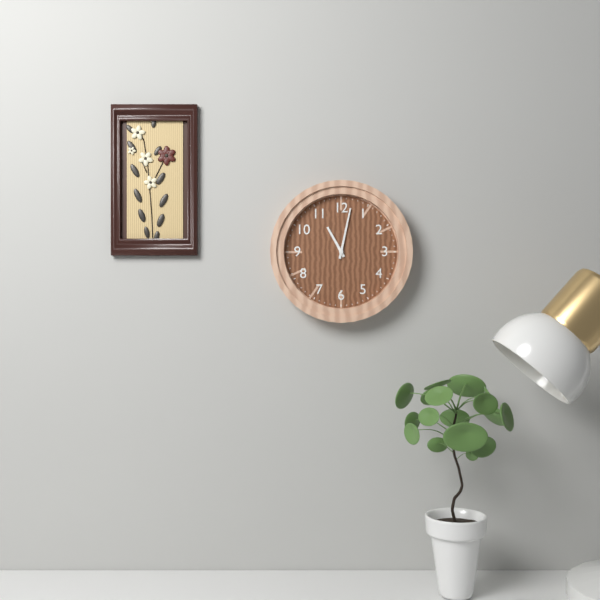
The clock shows h=11 m=2
